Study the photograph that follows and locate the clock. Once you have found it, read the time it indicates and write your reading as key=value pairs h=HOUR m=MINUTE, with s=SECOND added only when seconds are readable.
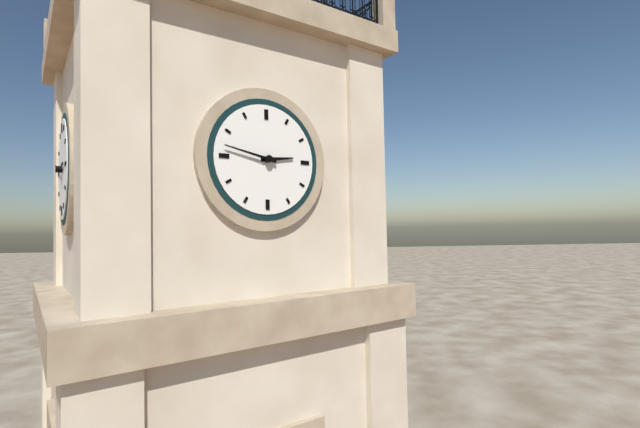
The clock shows h=2 m=47
